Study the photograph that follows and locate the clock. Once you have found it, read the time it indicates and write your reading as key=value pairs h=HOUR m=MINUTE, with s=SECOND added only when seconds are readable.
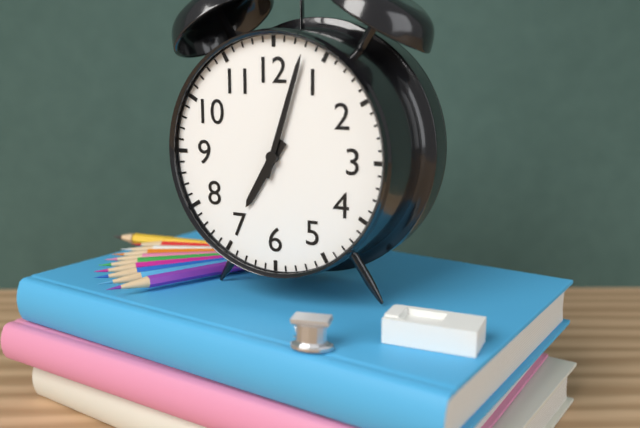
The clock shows h=7 m=3
